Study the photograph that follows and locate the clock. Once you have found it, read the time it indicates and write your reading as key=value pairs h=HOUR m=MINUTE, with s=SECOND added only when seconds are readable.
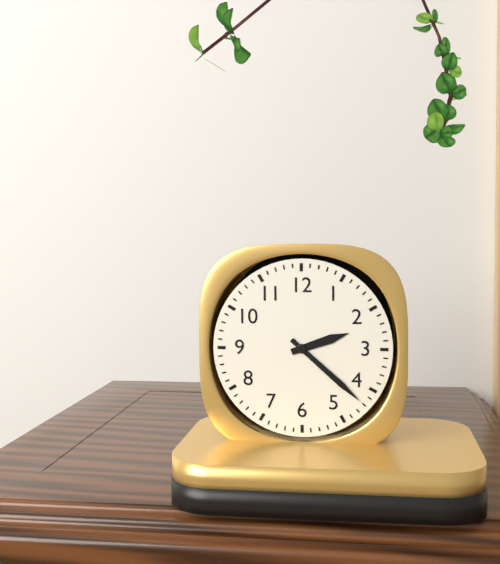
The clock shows h=2 m=22
